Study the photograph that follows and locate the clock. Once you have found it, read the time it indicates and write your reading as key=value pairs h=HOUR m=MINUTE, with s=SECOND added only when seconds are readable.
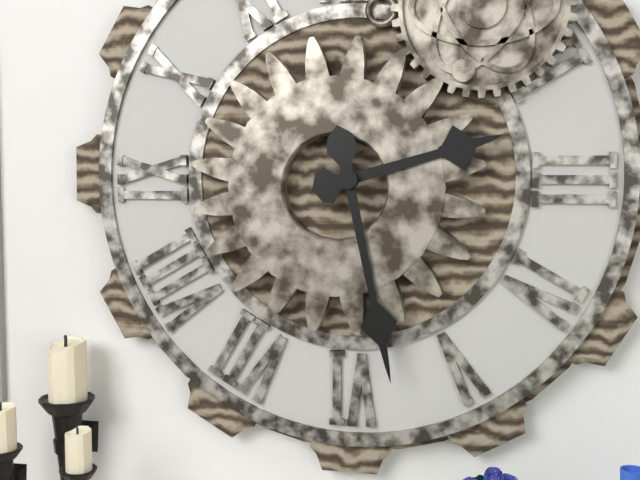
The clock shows h=2 m=28
